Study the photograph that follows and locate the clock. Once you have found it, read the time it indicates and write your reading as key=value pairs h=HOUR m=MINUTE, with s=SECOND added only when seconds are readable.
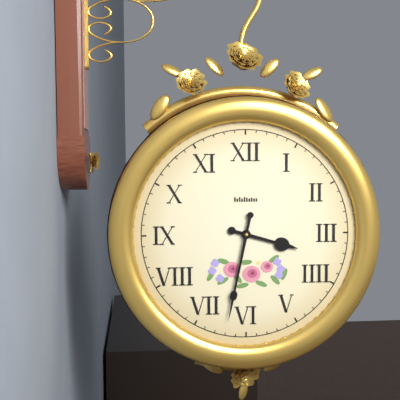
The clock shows h=3 m=32
